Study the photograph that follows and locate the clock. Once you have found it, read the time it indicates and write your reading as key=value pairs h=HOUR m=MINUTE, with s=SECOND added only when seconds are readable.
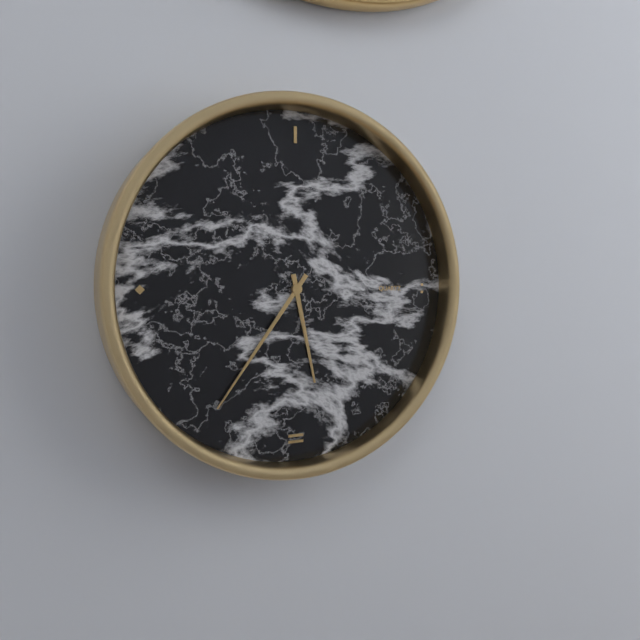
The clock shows h=5 m=36
